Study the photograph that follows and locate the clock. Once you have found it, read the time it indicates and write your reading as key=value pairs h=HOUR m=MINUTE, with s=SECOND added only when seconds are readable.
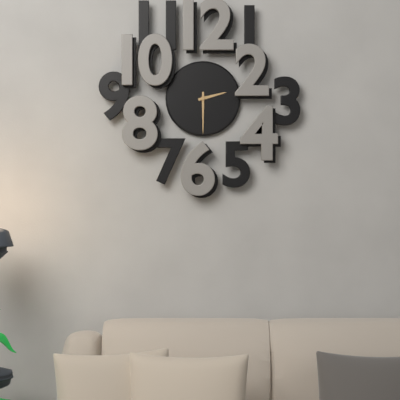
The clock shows h=2 m=30
